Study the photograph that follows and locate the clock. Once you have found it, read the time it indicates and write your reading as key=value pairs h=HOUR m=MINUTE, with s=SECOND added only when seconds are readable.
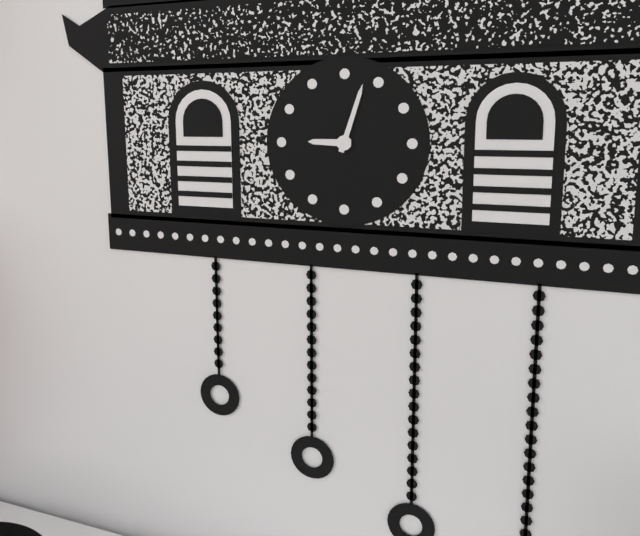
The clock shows h=9 m=3
